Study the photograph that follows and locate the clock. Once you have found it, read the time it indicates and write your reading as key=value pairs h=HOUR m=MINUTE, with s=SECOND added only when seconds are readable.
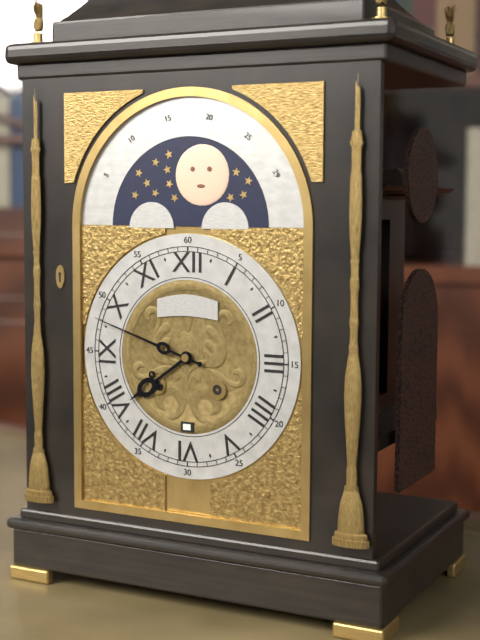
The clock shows h=7 m=48
